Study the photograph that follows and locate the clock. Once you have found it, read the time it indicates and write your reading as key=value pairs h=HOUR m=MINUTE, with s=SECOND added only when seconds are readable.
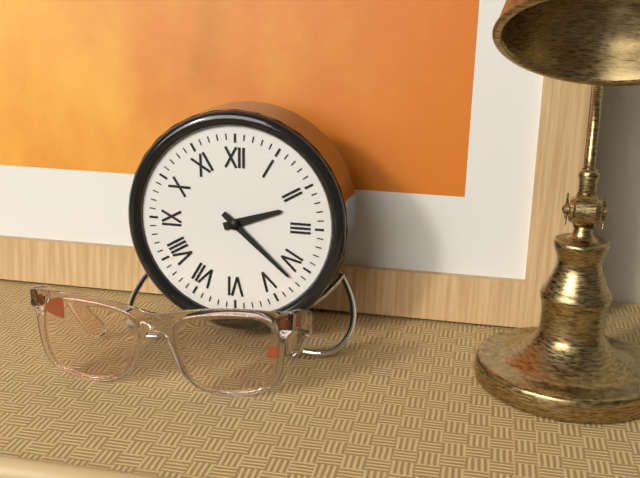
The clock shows h=2 m=22
